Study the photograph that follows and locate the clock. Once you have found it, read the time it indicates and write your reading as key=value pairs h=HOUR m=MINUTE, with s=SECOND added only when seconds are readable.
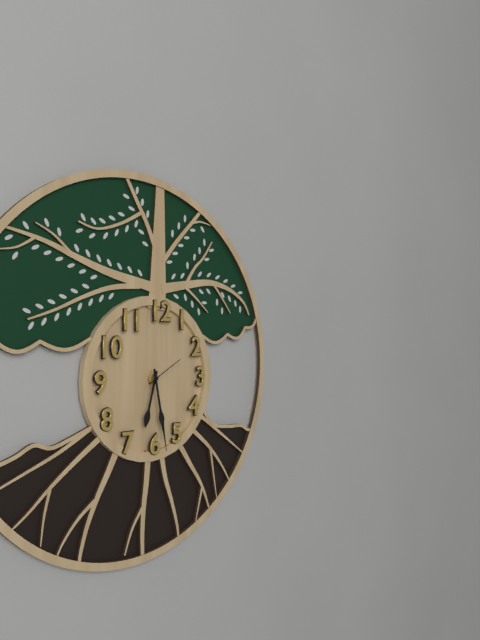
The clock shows h=6 m=28
